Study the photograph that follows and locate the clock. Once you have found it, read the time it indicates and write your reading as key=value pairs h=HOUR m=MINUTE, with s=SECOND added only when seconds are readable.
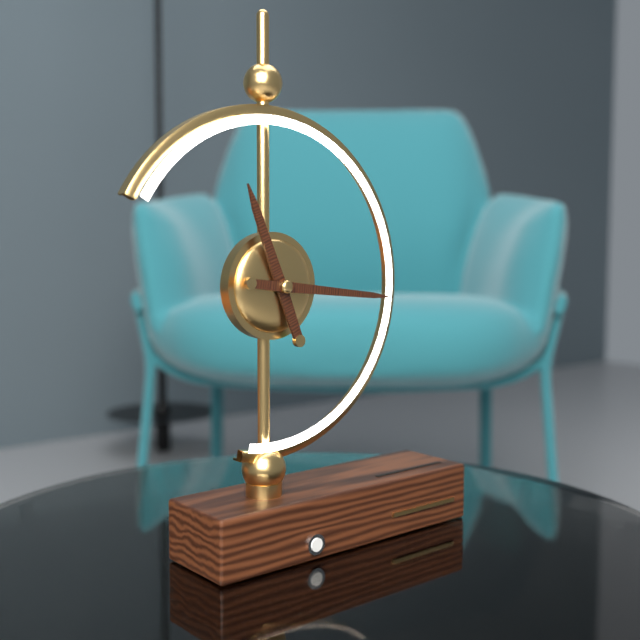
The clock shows h=11 m=16
